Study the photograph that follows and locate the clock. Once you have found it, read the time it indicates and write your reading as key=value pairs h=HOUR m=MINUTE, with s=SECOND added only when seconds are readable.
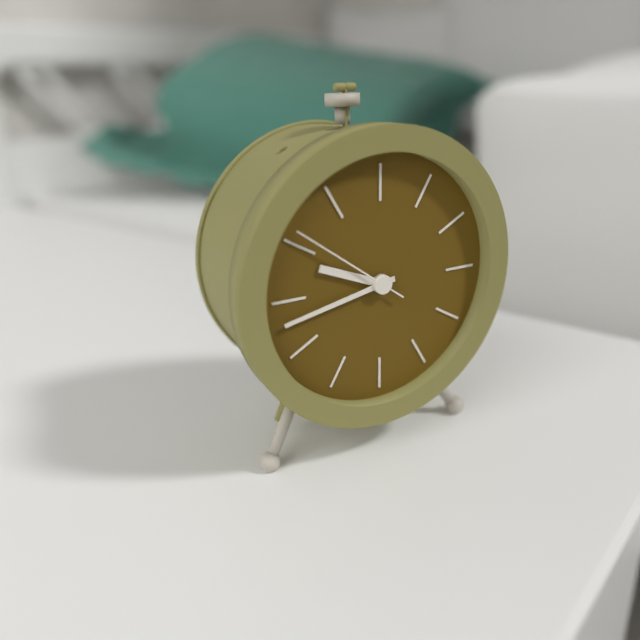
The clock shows h=9 m=43 s=51
